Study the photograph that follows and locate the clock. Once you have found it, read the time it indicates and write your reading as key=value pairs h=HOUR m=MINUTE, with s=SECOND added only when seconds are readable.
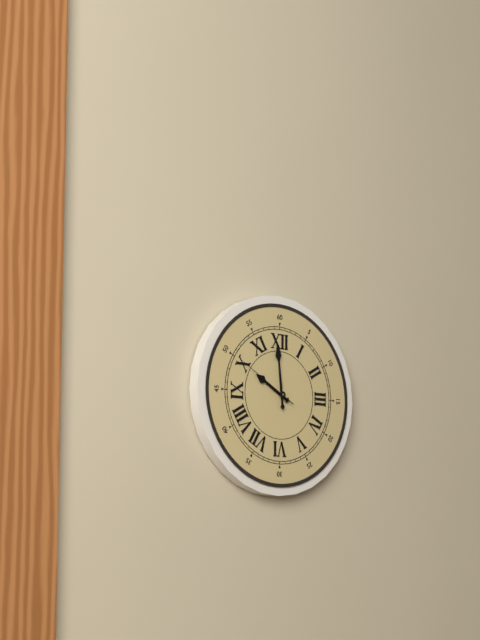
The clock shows h=9 m=59 s=50
